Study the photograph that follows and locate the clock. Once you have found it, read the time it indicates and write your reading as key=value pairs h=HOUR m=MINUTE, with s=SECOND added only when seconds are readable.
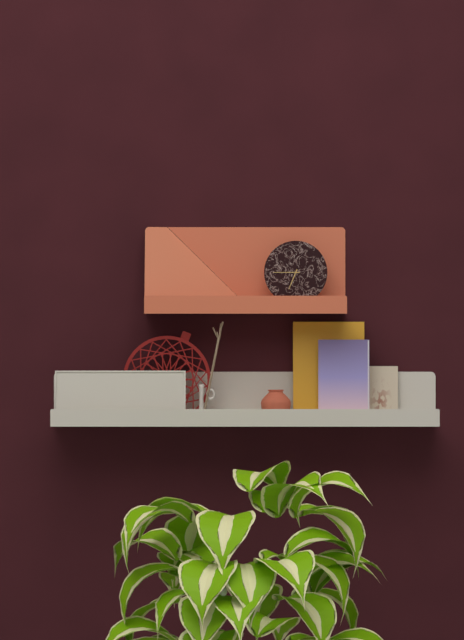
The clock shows h=6 m=45
